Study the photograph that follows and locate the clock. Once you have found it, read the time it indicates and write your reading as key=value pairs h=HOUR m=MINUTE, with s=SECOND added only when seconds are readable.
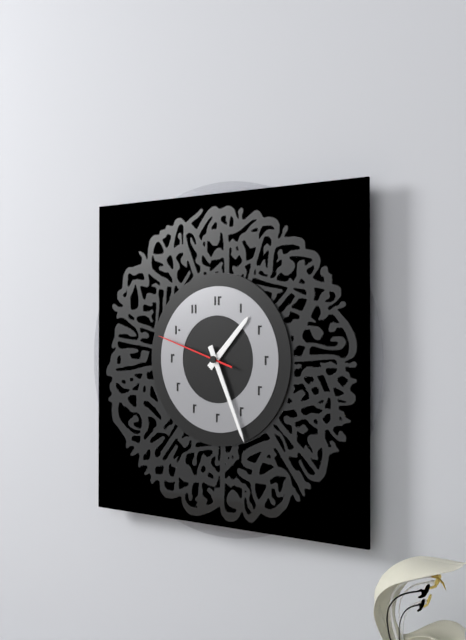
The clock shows h=1 m=26 s=48
